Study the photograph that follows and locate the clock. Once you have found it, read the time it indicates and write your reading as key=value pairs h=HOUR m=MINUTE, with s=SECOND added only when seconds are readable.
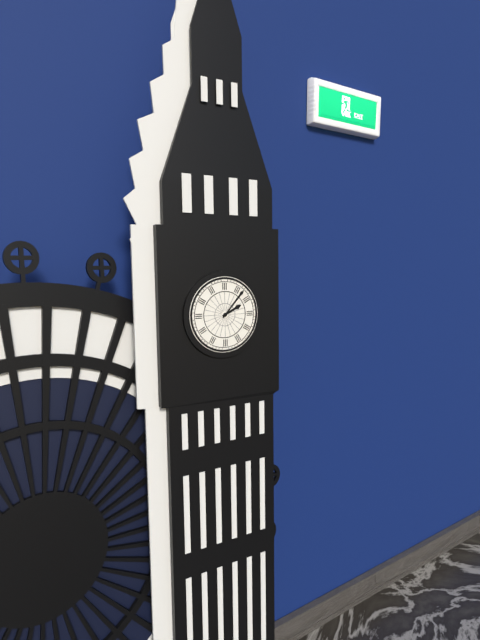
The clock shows h=2 m=7
